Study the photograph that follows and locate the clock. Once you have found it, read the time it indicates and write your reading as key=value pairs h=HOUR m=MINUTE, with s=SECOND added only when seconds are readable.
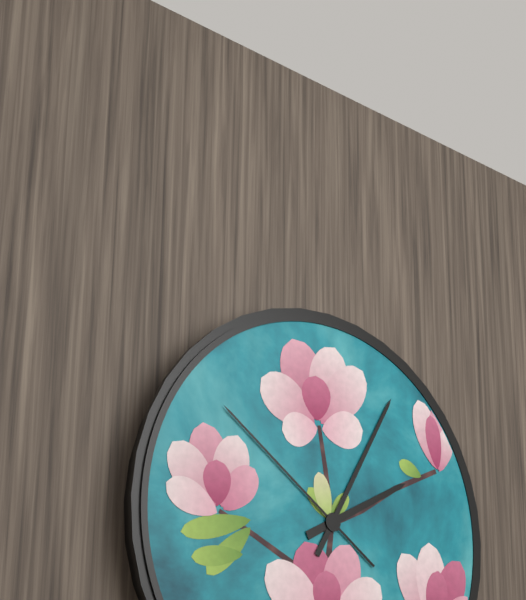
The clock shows h=2 m=5 s=51
